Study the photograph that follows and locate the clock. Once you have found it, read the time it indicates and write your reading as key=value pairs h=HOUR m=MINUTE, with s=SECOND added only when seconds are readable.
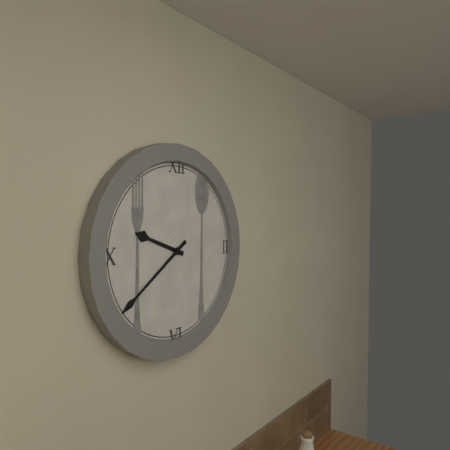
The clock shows h=9 m=39
